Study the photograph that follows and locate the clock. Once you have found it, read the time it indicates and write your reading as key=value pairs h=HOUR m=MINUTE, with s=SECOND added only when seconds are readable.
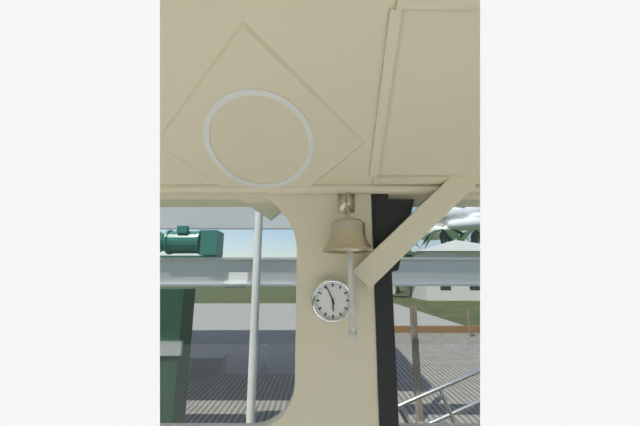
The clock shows h=5 m=56
